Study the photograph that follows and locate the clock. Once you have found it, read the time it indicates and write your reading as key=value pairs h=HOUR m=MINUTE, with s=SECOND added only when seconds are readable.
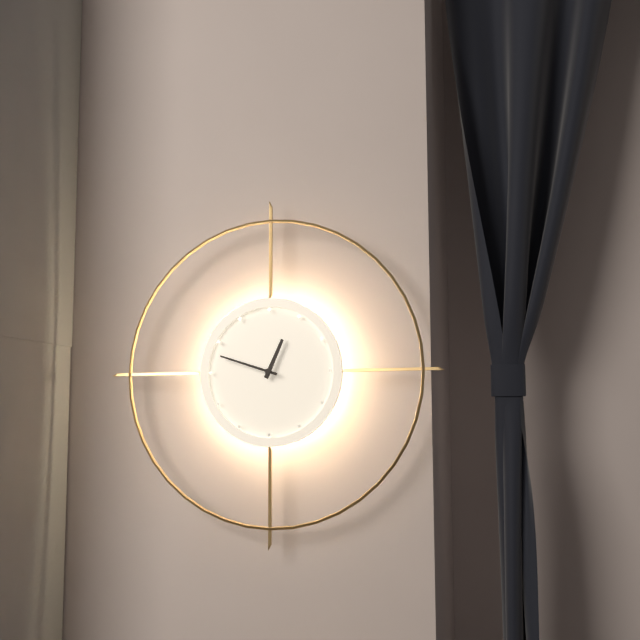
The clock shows h=12 m=48
